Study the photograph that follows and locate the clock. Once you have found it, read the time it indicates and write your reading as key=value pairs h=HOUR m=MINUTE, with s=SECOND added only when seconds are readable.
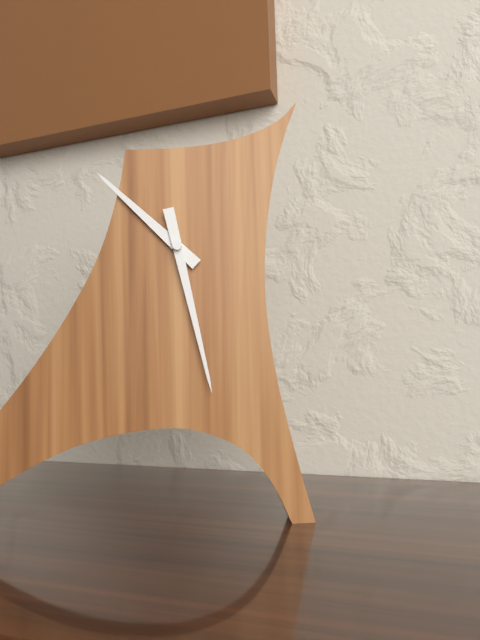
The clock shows h=10 m=28
